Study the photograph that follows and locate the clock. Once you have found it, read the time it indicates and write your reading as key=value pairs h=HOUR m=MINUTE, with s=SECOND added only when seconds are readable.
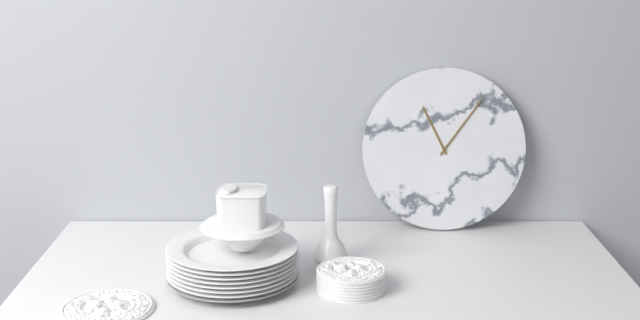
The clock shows h=11 m=6
